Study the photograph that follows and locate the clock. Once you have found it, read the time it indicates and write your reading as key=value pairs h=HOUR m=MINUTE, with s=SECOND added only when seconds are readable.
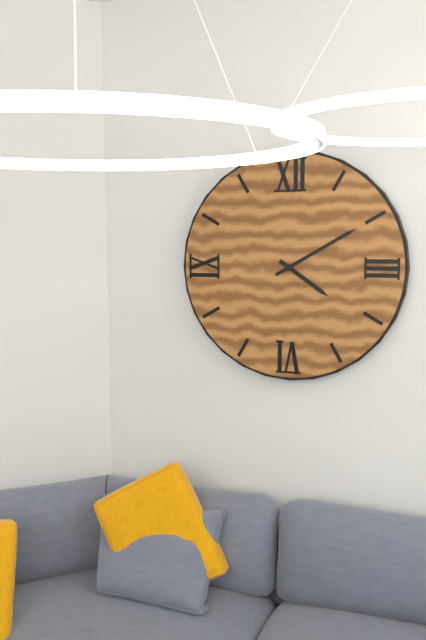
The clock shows h=4 m=10
